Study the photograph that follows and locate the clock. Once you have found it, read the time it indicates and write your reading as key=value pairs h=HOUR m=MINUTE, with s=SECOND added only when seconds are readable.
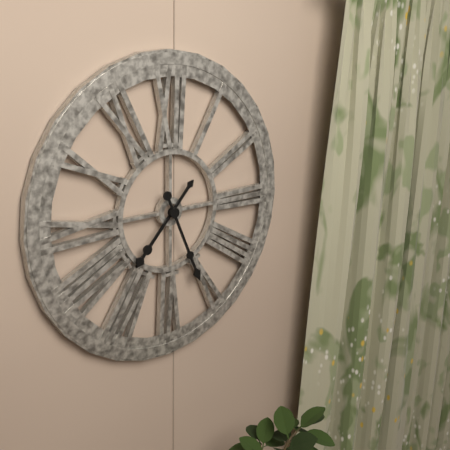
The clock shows h=7 m=26
